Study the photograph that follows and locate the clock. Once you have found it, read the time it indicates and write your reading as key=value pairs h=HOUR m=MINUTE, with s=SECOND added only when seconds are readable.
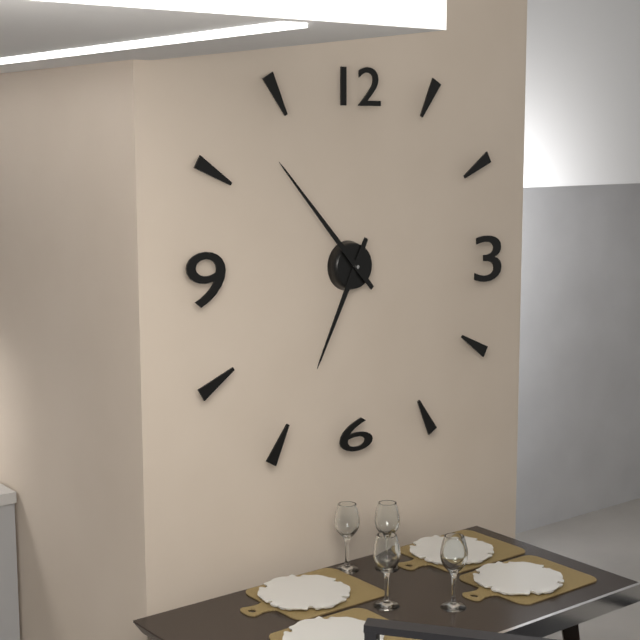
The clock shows h=6 m=53
